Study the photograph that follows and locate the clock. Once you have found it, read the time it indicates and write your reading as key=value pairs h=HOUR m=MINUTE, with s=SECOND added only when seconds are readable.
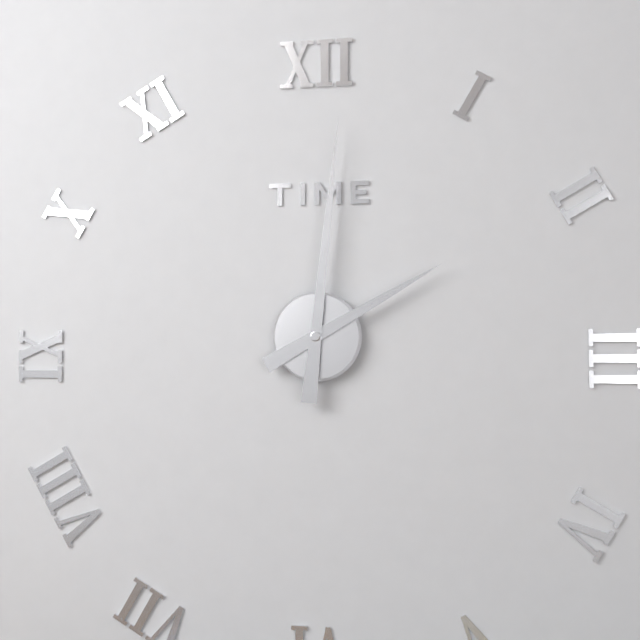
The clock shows h=2 m=1
